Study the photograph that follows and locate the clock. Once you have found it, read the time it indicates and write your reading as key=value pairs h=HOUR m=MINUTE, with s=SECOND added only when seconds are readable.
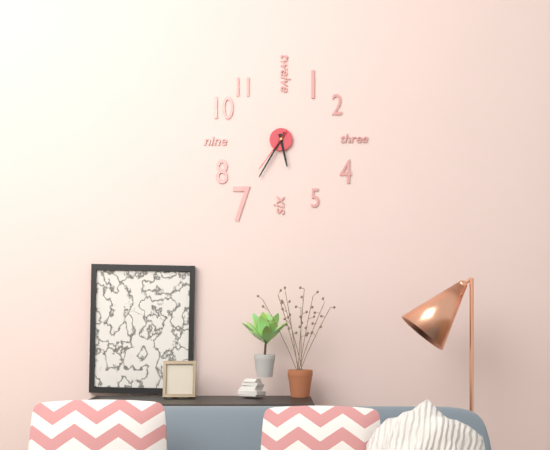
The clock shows h=5 m=35
